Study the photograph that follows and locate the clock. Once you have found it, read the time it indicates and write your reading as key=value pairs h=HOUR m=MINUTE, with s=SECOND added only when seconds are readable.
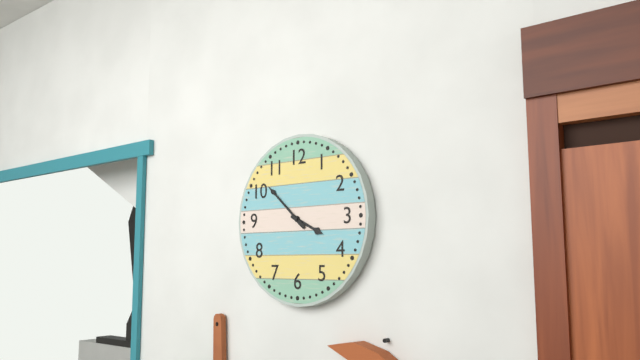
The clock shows h=3 m=52
